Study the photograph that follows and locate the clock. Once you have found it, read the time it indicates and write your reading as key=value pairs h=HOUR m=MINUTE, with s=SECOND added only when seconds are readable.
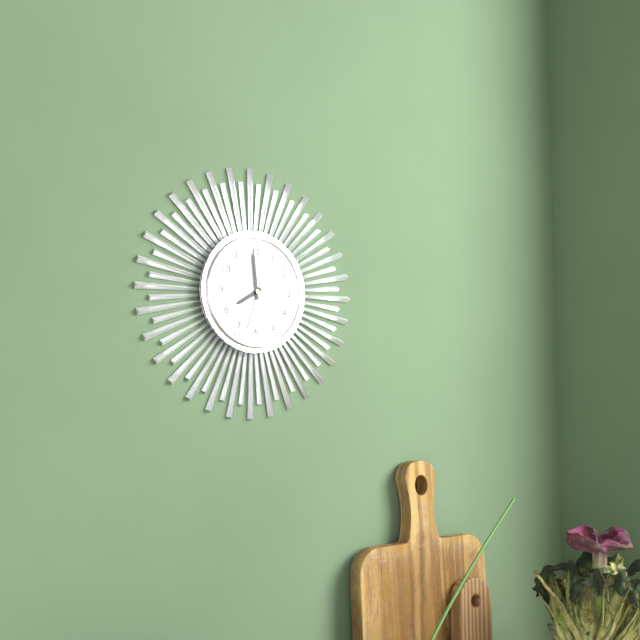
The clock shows h=7 m=59 s=33
